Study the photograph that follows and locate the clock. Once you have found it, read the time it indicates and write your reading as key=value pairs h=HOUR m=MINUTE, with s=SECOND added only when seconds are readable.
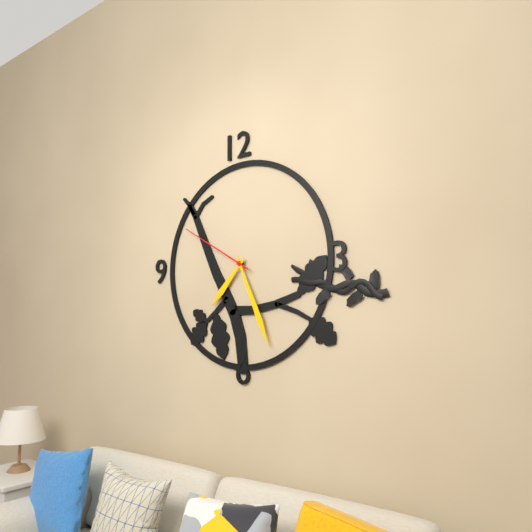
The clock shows h=7 m=26 s=50
